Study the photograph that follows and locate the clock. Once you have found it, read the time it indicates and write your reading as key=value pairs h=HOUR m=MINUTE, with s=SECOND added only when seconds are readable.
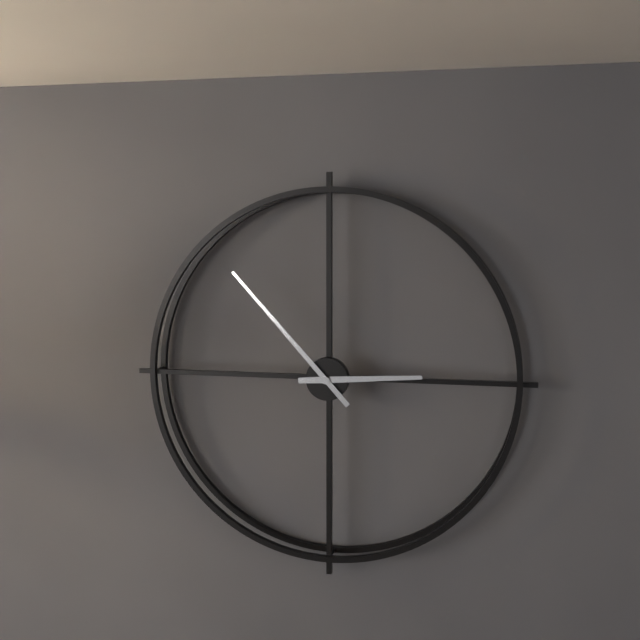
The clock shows h=2 m=53
